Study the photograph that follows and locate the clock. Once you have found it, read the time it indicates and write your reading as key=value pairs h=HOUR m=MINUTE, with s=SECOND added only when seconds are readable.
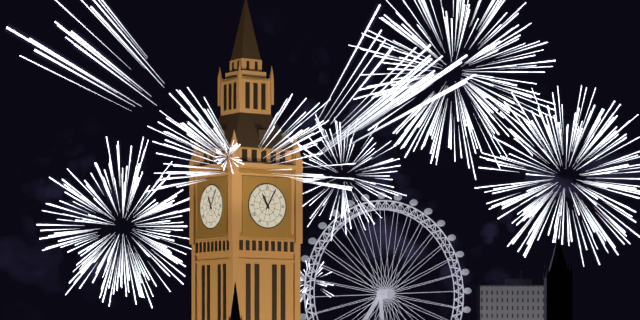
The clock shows h=11 m=5
